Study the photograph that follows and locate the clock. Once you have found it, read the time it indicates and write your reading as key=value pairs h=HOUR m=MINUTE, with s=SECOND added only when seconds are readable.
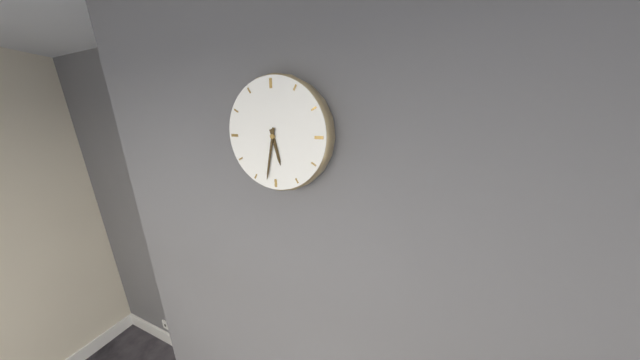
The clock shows h=5 m=32
